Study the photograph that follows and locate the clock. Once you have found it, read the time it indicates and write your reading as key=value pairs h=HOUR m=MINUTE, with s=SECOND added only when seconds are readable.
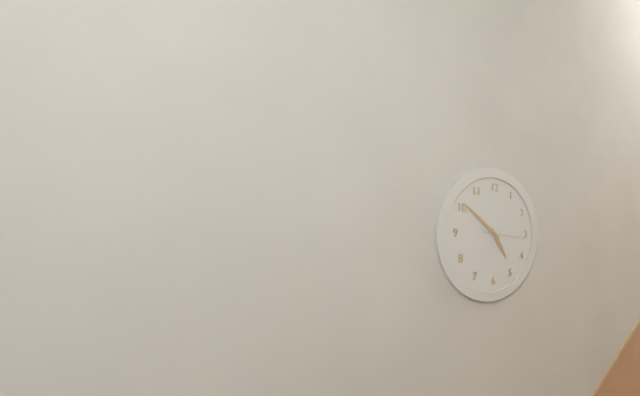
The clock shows h=4 m=51
